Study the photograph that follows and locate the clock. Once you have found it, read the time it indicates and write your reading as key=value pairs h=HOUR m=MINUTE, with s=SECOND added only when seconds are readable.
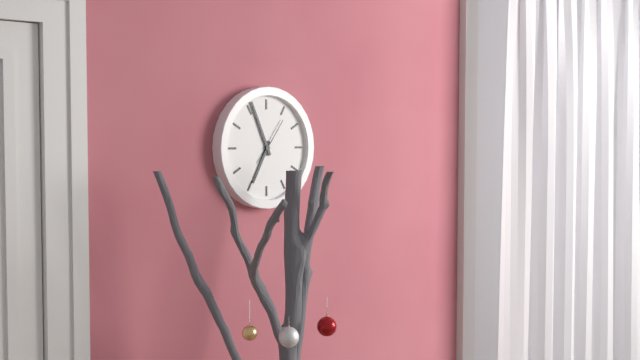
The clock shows h=6 m=56
